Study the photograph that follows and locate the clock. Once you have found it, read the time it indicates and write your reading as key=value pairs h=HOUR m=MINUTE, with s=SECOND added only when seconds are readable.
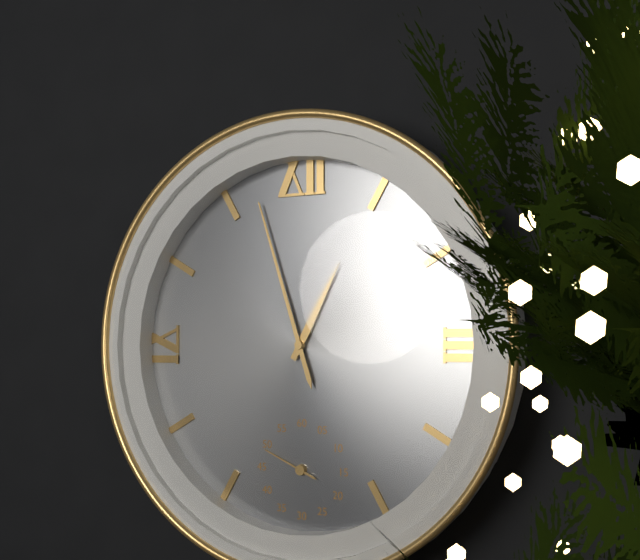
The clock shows h=12 m=57 s=49
